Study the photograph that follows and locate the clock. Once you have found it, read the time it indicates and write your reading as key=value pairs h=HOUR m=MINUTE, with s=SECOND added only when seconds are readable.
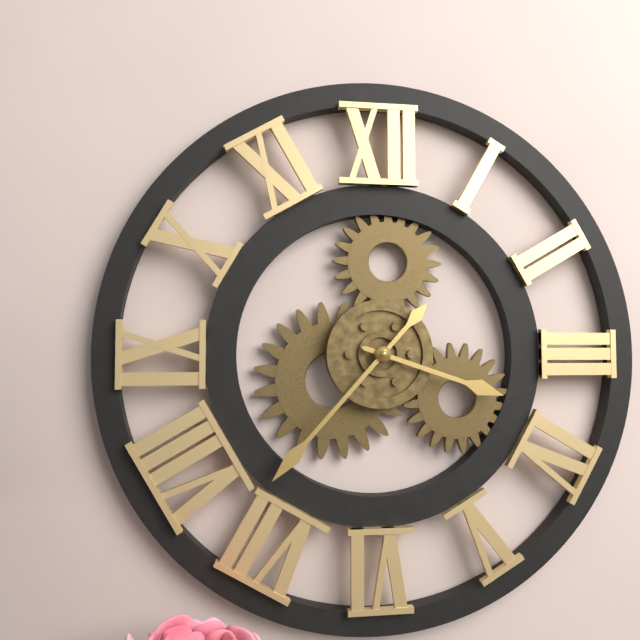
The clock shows h=3 m=37
